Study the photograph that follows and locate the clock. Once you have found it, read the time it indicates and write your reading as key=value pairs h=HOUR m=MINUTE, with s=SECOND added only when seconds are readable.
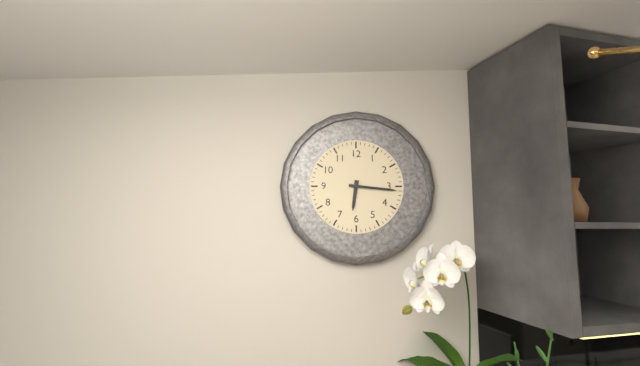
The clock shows h=6 m=16
